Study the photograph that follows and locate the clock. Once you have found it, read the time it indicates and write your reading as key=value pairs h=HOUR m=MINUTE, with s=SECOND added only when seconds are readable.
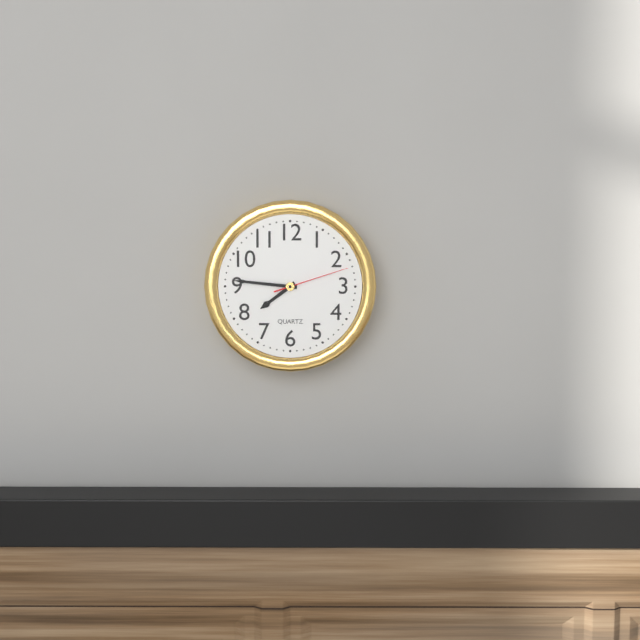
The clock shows h=7 m=46 s=12
